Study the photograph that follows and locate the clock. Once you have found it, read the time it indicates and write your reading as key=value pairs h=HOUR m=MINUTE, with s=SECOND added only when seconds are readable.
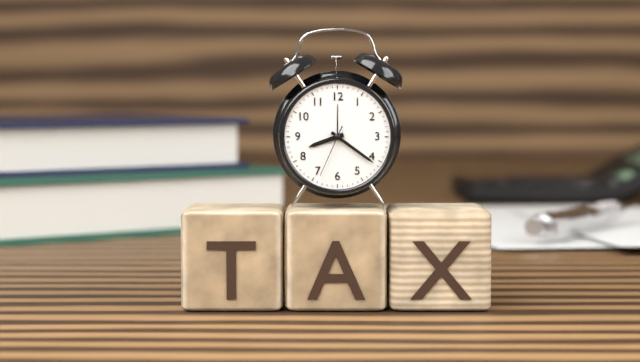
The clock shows h=8 m=21 s=34
